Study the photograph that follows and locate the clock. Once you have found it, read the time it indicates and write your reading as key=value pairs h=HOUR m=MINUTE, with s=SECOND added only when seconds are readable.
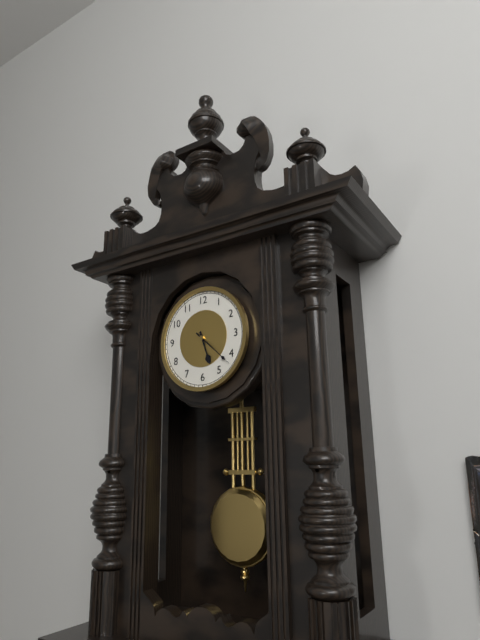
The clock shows h=5 m=22
